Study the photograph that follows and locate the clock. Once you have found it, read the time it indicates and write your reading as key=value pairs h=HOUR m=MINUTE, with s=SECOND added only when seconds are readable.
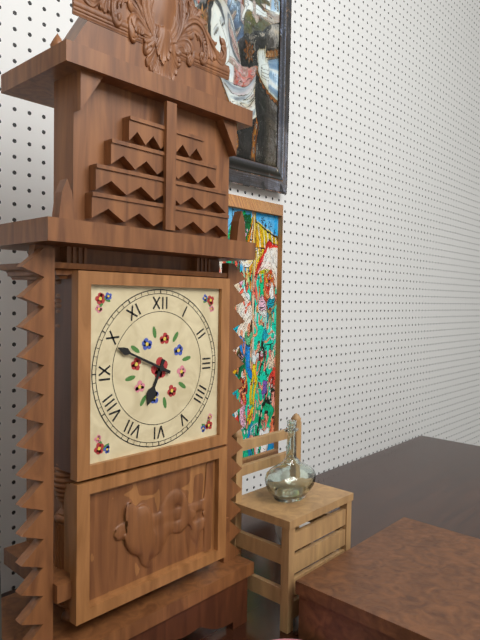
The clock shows h=6 m=49
